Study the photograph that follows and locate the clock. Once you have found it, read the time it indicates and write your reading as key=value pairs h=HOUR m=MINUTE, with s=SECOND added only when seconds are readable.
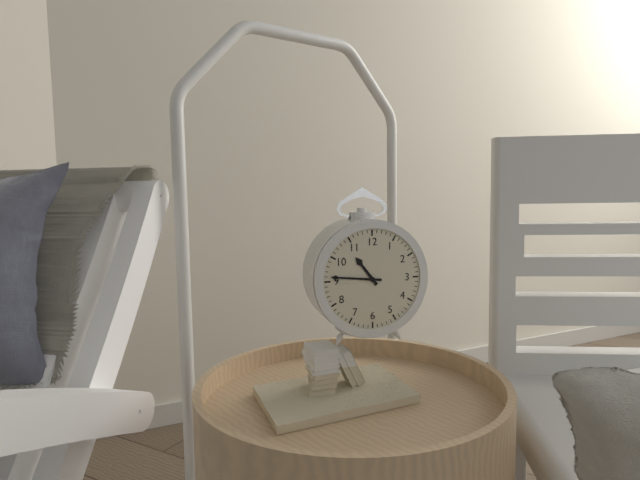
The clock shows h=10 m=46
